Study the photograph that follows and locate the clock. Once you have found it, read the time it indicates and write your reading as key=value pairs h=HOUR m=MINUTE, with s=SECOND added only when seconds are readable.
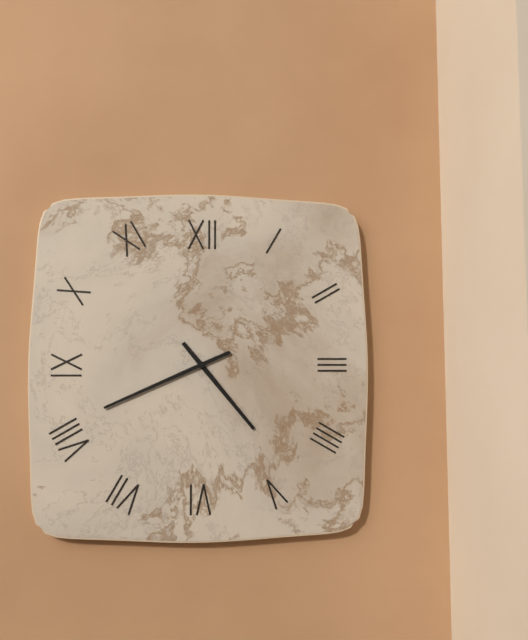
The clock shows h=4 m=41
